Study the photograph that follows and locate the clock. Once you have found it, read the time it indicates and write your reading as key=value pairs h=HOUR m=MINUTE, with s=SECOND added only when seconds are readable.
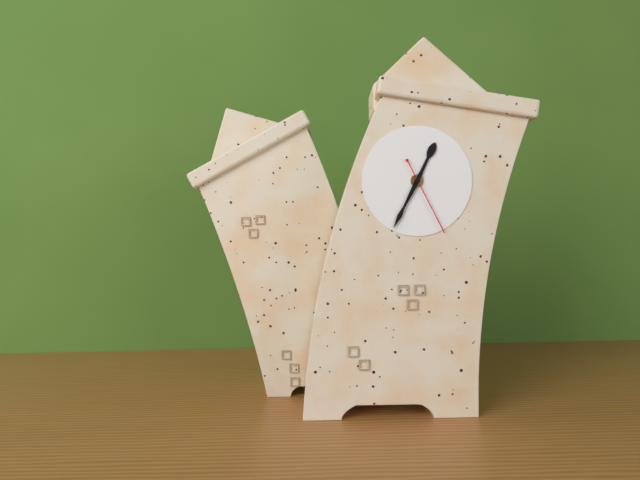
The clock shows h=12 m=33 s=24
